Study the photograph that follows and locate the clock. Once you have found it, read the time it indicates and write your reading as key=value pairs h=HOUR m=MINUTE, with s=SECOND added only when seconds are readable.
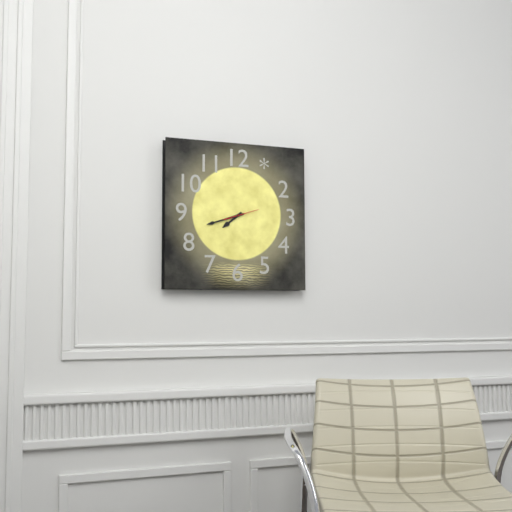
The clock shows h=7 m=42
